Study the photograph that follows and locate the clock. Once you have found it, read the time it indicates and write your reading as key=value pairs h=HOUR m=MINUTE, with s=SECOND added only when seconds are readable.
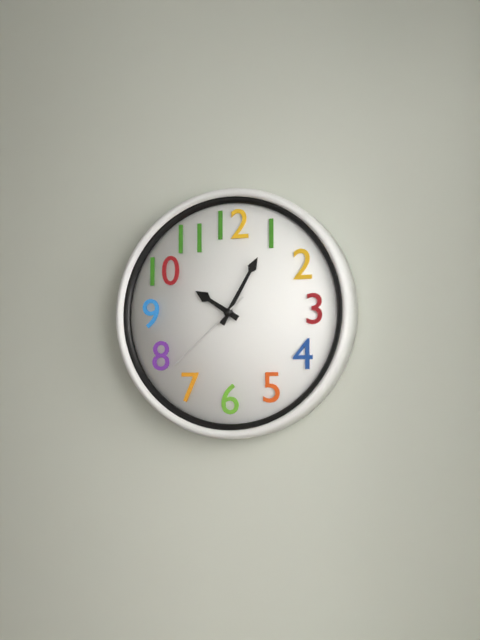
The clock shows h=10 m=5 s=38
